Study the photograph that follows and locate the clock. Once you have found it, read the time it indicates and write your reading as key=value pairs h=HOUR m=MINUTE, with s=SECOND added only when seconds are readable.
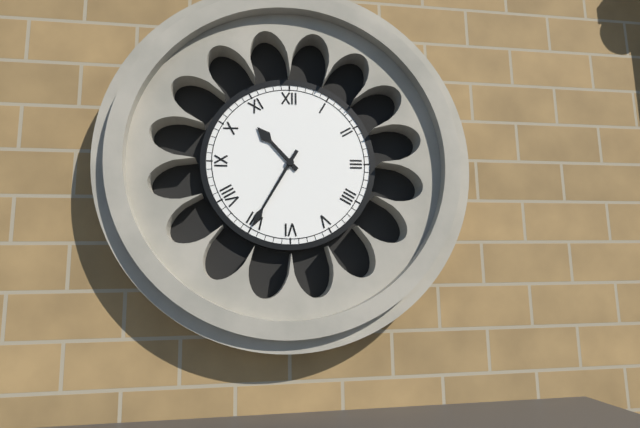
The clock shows h=10 m=35
